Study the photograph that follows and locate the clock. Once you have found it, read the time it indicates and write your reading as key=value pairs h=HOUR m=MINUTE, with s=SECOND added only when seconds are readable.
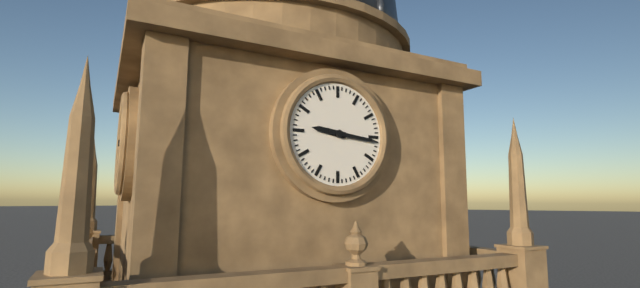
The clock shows h=9 m=16
